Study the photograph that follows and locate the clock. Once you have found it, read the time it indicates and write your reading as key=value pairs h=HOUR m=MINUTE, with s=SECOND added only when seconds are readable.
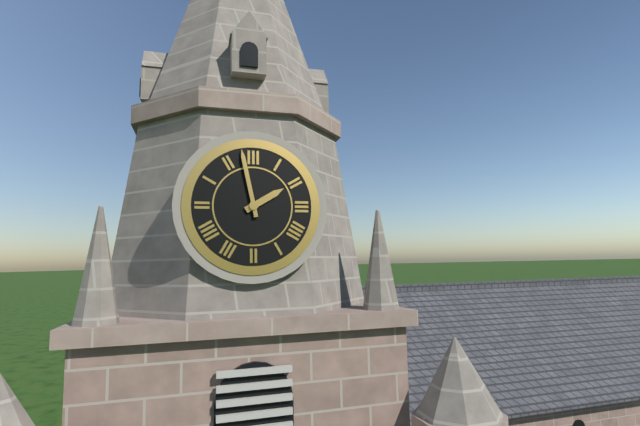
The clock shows h=1 m=58
